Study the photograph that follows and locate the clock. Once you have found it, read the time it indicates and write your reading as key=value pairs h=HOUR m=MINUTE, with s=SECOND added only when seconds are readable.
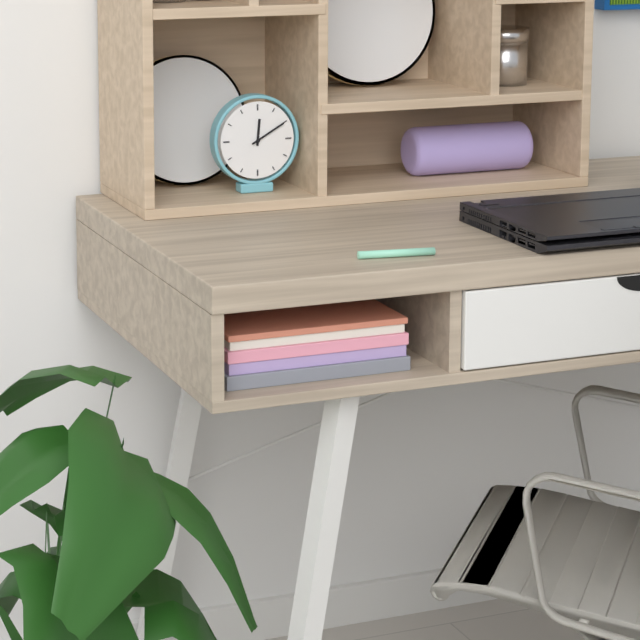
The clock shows h=12 m=10
